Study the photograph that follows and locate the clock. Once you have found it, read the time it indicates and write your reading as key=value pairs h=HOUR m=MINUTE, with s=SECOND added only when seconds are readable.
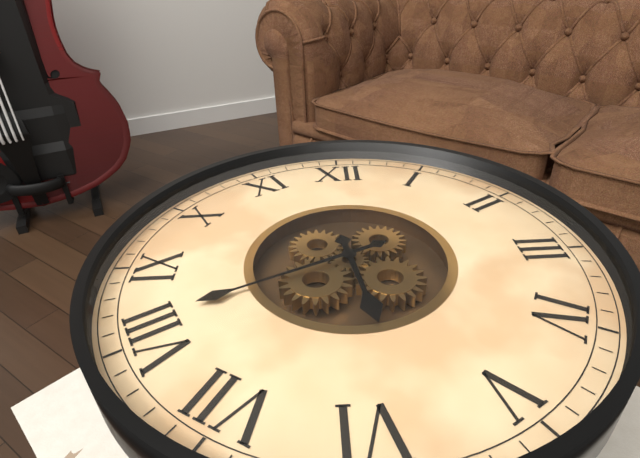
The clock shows h=5 m=41
